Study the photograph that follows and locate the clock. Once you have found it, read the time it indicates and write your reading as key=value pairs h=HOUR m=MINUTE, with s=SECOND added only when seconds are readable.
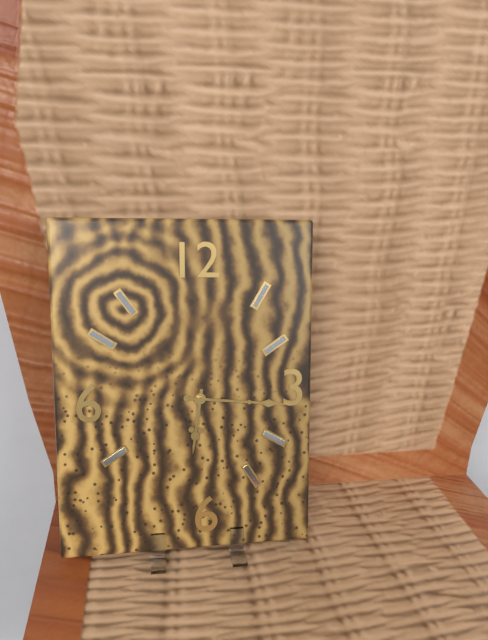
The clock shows h=6 m=16
